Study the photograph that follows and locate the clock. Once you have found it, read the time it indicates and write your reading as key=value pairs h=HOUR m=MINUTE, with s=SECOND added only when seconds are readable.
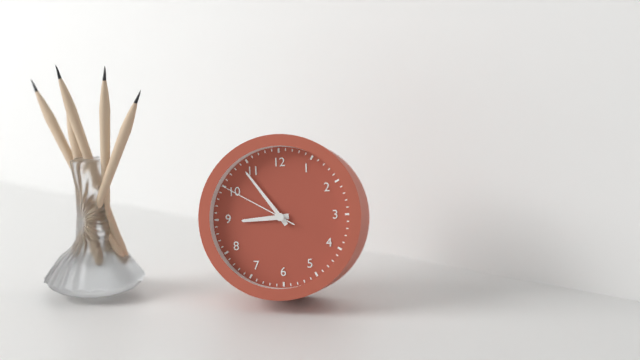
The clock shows h=8 m=54 s=50
